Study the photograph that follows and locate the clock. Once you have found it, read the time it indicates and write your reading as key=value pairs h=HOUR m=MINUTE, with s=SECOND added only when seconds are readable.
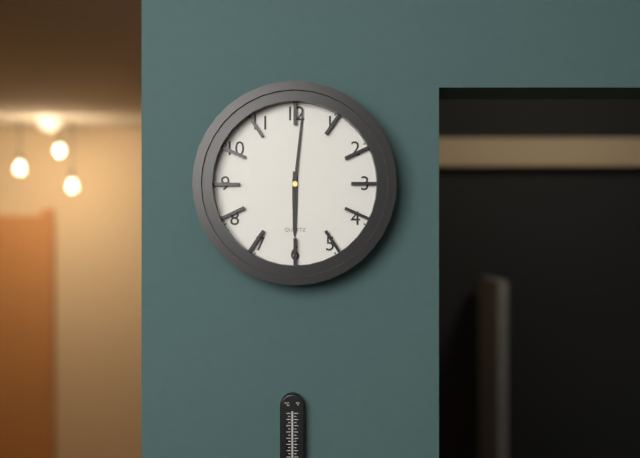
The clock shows h=6 m=1
